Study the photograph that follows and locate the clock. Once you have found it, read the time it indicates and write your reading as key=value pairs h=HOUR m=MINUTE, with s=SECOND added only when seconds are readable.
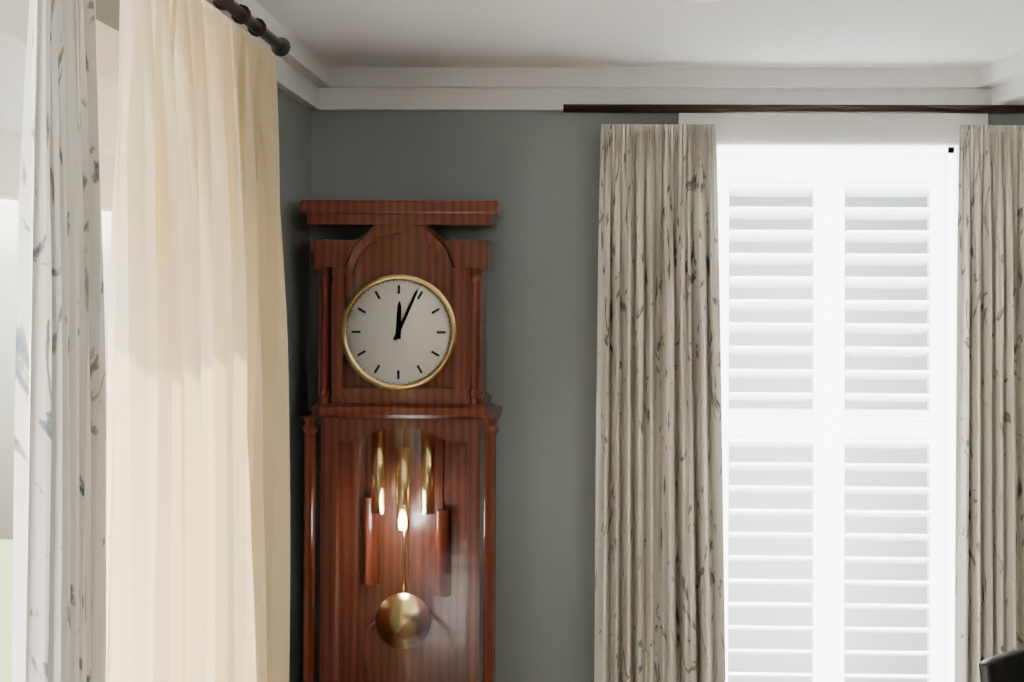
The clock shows h=12 m=4
